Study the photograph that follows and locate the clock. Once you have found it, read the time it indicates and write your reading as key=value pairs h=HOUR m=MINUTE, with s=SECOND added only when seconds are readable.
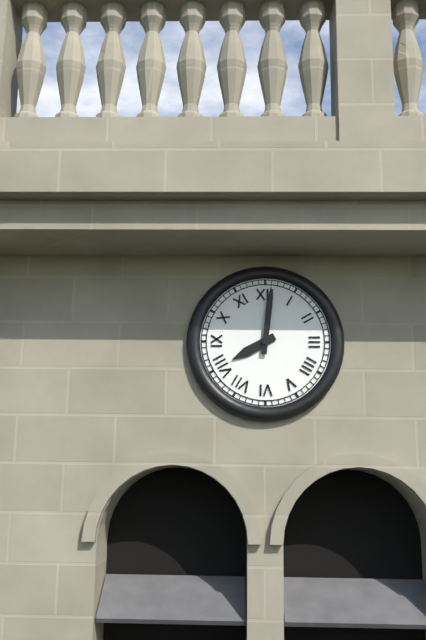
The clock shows h=8 m=1
